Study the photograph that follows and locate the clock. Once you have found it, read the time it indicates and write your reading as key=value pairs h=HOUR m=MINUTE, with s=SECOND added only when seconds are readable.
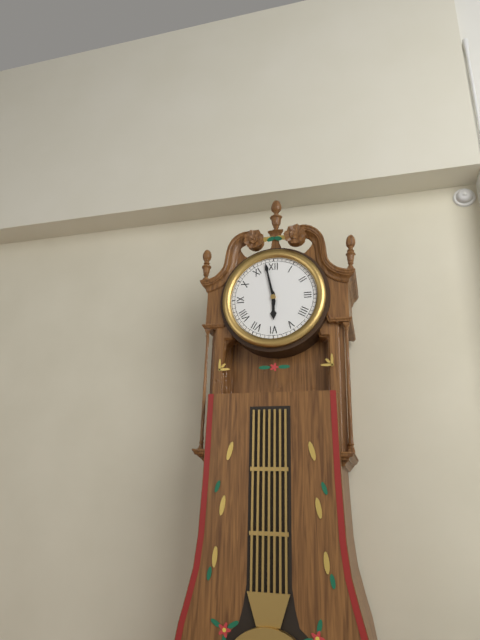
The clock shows h=5 m=58
